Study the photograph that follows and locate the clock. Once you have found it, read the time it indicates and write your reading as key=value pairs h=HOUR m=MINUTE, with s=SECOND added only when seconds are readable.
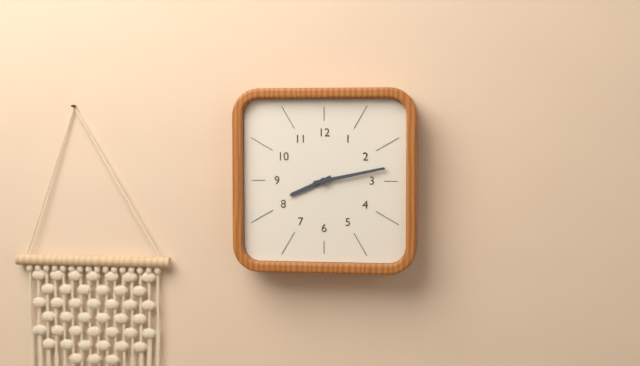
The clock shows h=8 m=13
